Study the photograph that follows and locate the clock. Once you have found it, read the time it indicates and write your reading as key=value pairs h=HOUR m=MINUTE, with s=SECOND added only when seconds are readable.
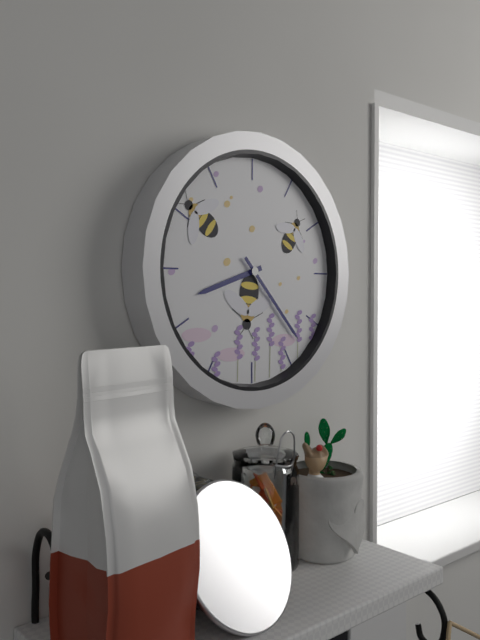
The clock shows h=8 m=23
